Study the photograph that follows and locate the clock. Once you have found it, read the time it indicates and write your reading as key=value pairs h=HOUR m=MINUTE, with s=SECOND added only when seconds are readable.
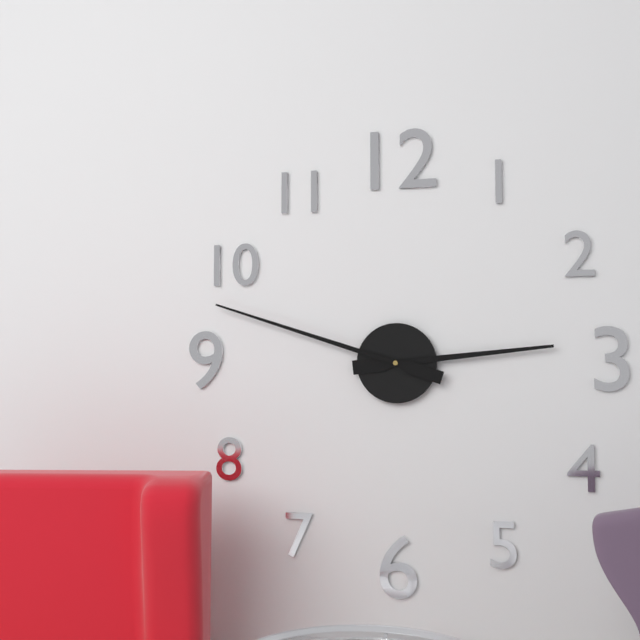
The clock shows h=2 m=48
